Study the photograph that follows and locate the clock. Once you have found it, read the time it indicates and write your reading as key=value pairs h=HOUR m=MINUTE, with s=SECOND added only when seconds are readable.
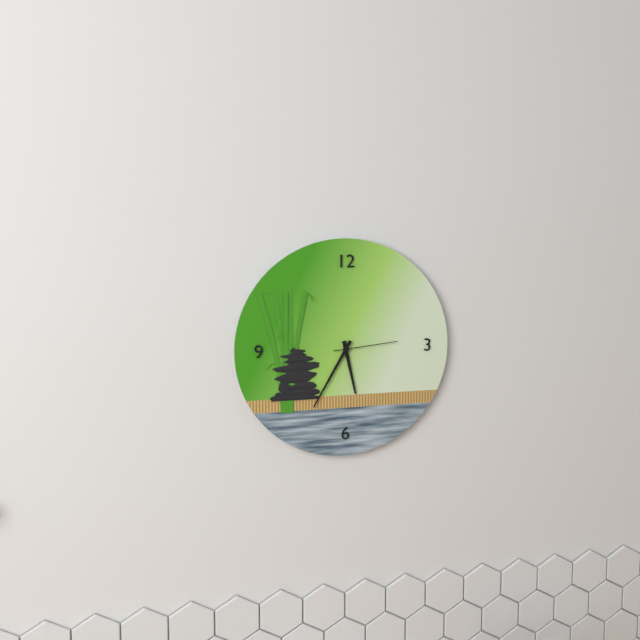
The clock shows h=5 m=35 s=14
